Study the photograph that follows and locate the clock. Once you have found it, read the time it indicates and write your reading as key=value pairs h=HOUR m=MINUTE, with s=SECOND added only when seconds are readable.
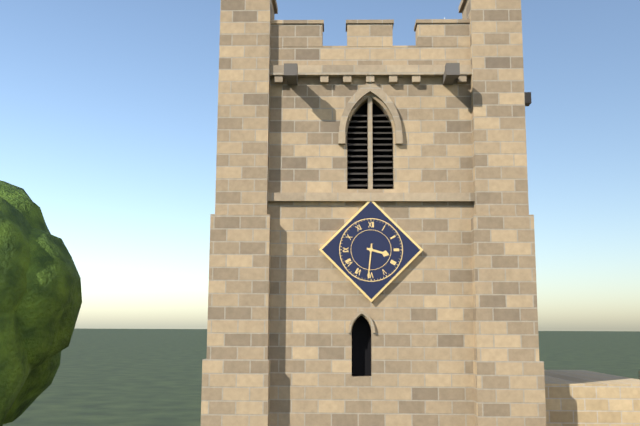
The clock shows h=3 m=31
